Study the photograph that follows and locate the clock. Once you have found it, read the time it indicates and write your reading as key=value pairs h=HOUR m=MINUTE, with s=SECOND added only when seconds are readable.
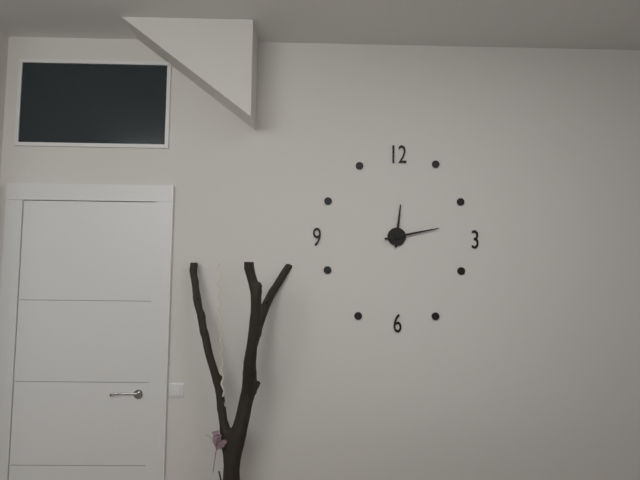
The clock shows h=12 m=13
